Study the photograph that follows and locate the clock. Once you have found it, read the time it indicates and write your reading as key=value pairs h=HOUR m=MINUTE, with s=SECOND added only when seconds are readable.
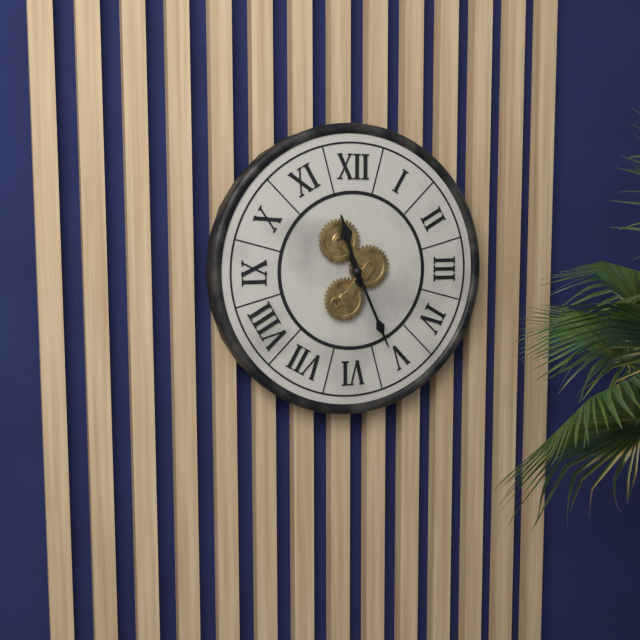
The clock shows h=11 m=26
